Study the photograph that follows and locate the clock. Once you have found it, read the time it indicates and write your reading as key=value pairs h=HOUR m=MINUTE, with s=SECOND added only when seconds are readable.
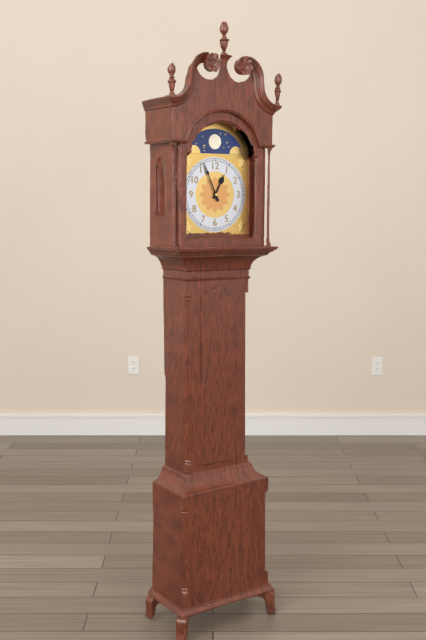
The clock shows h=12 m=56
